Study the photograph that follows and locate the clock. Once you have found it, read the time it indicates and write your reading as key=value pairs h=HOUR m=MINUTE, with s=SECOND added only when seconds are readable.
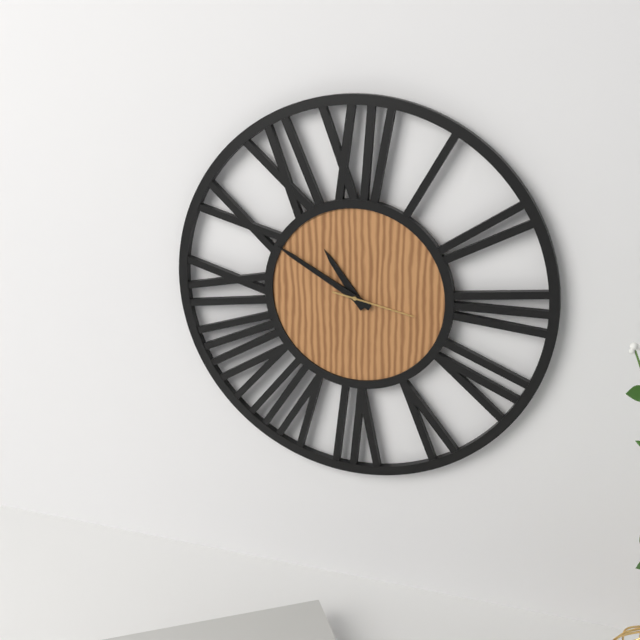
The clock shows h=10 m=50 s=17
